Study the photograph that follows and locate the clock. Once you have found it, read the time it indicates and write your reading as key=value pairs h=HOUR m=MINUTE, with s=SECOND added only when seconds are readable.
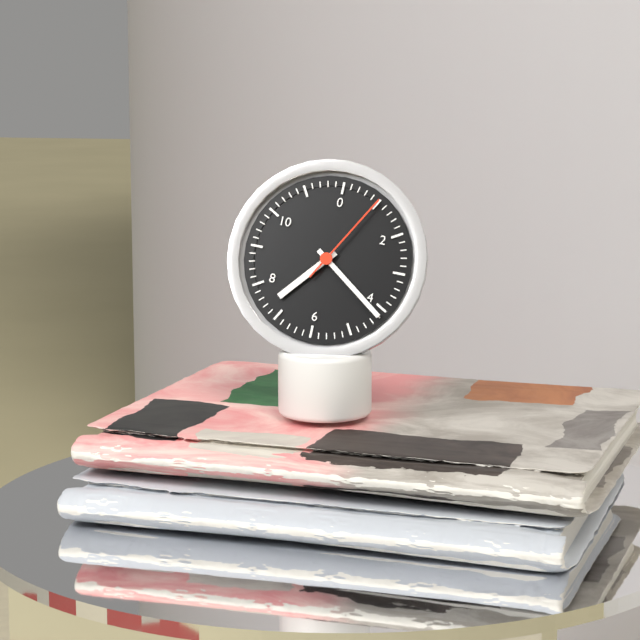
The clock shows h=7 m=21 s=5
